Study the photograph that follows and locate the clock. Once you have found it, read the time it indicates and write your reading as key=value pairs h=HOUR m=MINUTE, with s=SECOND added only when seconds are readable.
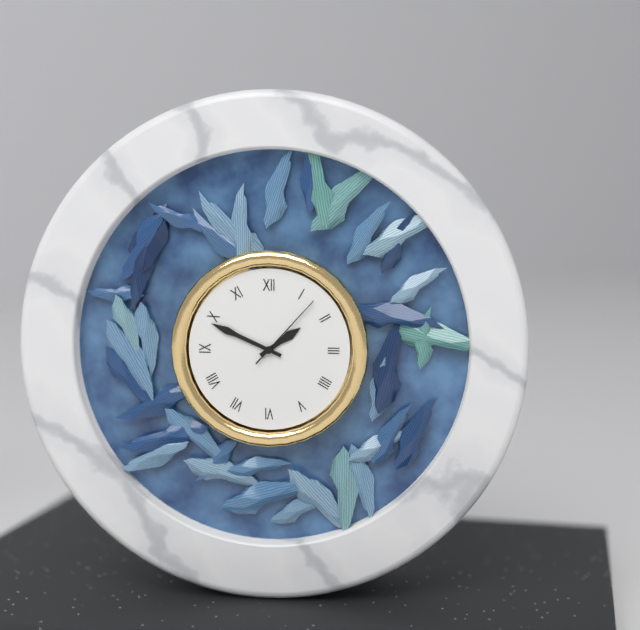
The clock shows h=1 m=49 s=7
